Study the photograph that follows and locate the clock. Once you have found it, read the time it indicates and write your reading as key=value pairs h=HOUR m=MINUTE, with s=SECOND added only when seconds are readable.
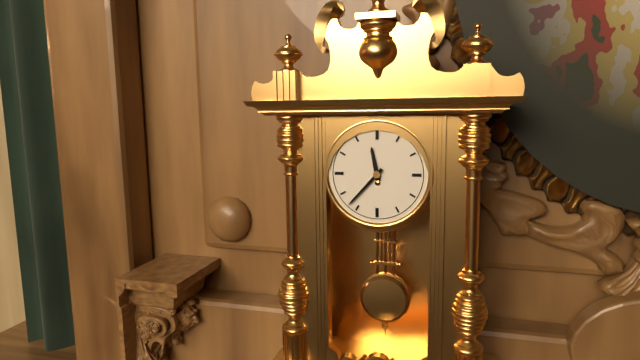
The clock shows h=11 m=37
